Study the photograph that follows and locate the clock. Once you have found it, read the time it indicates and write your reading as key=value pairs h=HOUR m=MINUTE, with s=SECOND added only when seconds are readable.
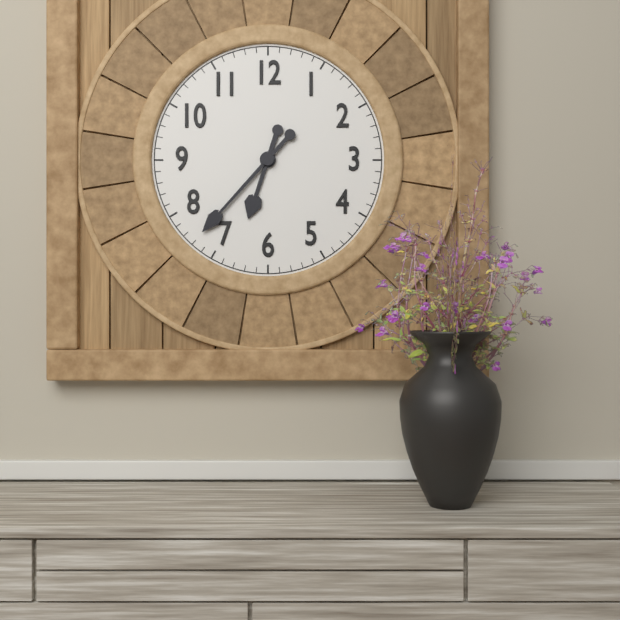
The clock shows h=6 m=37
